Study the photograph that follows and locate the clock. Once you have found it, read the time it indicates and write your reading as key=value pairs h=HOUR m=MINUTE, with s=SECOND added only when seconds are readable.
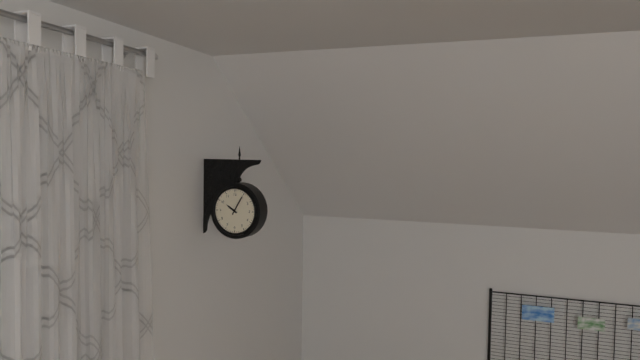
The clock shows h=10 m=5
